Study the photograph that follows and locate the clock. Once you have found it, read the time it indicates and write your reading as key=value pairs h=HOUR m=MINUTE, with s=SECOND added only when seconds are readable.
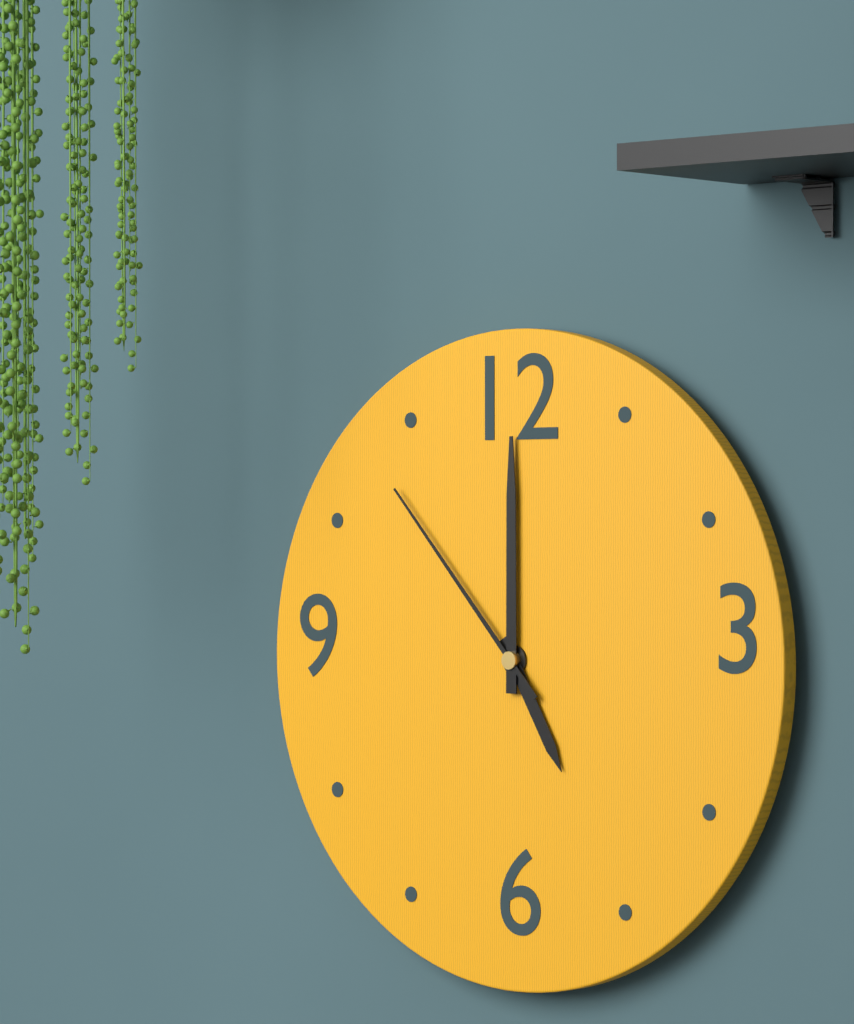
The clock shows h=5 m=0 s=53
